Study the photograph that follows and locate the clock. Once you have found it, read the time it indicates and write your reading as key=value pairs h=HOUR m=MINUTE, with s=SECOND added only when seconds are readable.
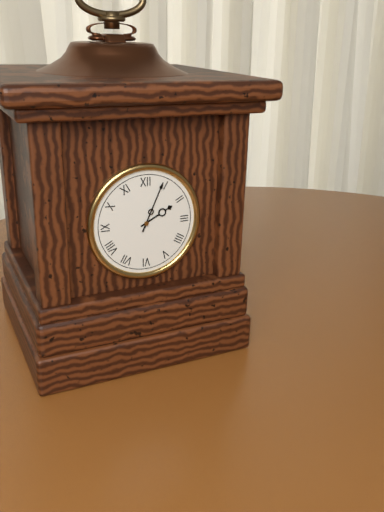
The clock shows h=2 m=4
